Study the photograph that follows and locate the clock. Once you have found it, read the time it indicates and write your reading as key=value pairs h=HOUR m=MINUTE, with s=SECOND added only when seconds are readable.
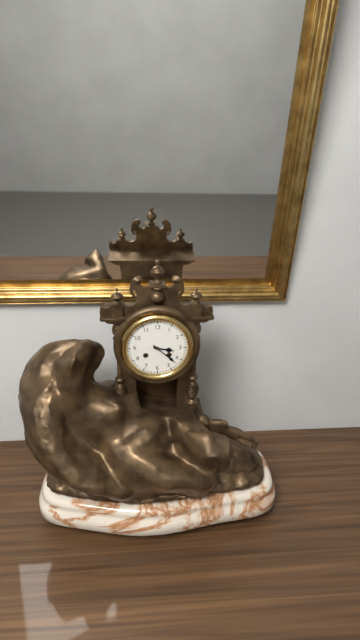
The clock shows h=3 m=22
